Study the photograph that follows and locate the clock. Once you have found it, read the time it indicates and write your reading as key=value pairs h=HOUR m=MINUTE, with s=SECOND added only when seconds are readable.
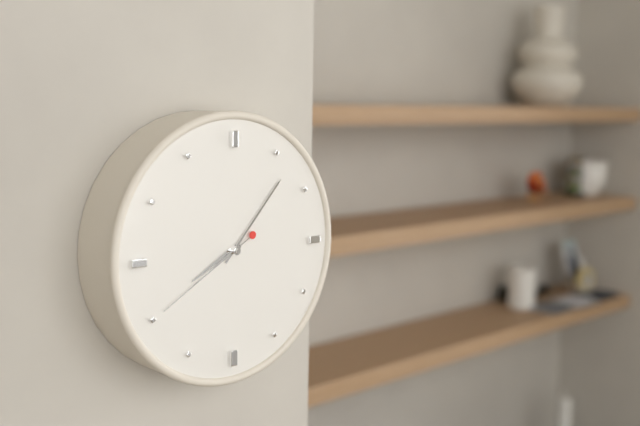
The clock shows h=8 m=7 s=40
